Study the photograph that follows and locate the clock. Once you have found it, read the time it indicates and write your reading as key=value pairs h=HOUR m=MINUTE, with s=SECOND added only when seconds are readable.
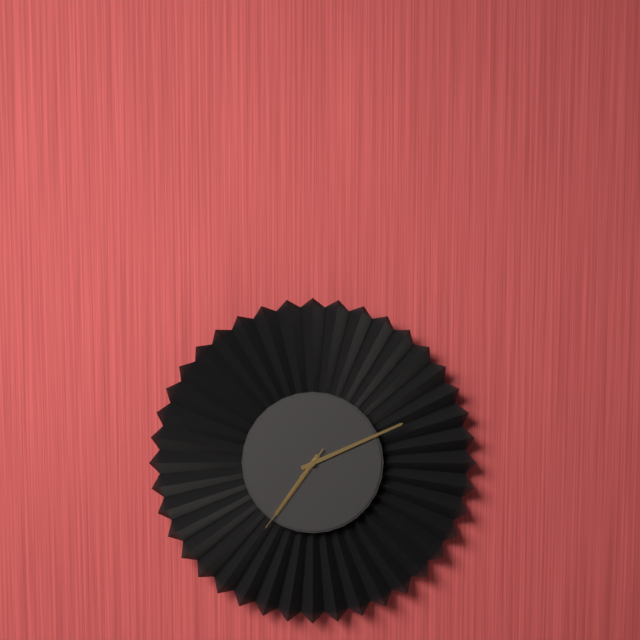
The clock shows h=7 m=11 s=36
